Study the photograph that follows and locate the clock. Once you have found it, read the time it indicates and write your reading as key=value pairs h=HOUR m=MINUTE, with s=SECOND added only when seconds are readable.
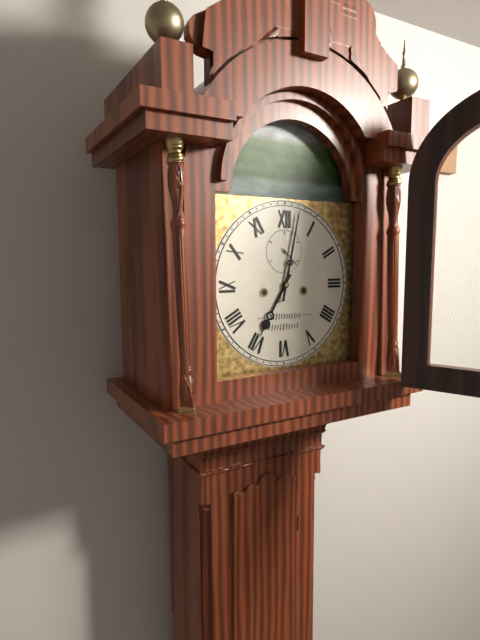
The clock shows h=7 m=2
